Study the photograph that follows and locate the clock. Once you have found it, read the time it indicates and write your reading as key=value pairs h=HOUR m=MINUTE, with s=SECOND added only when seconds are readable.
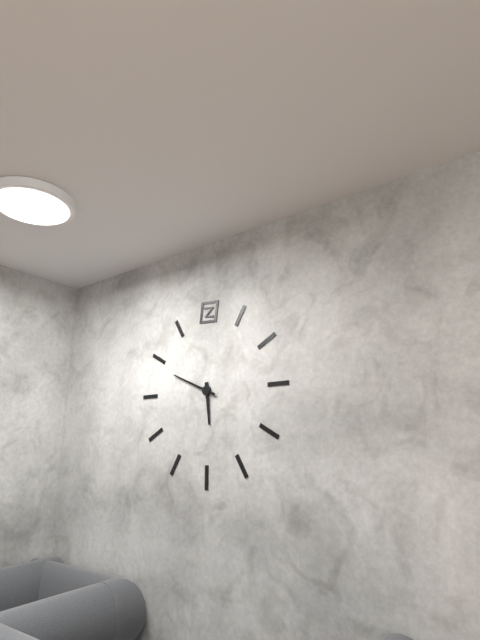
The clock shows h=5 m=49
